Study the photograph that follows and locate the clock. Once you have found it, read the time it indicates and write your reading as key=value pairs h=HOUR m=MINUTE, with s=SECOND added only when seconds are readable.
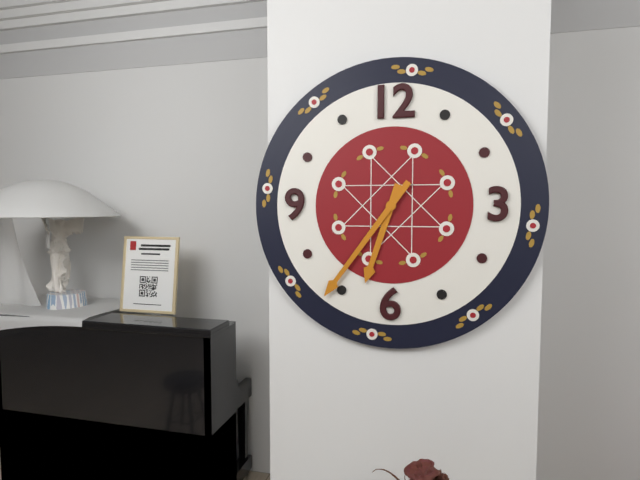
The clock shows h=6 m=36
